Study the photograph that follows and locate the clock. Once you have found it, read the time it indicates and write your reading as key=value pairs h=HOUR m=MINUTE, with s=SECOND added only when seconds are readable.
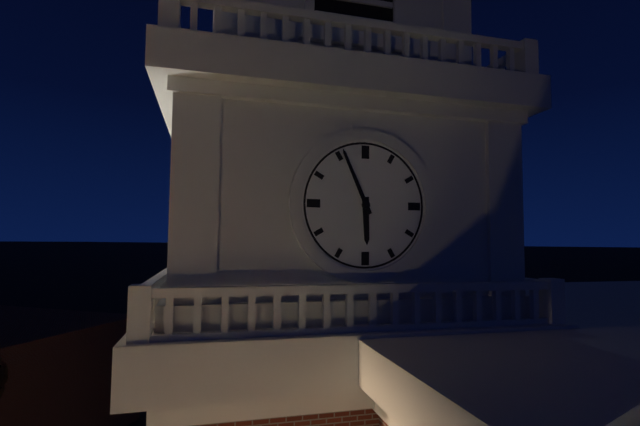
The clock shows h=5 m=56
